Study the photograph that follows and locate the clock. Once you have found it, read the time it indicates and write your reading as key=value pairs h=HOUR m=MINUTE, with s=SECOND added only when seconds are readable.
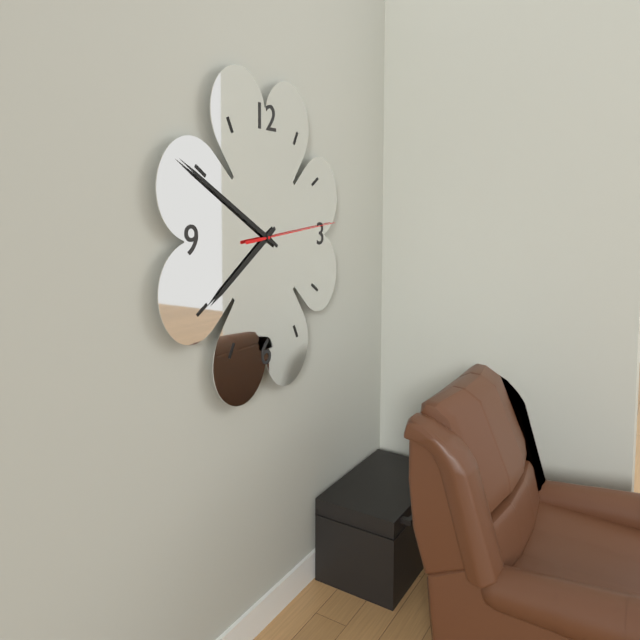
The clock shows h=7 m=50 s=14
